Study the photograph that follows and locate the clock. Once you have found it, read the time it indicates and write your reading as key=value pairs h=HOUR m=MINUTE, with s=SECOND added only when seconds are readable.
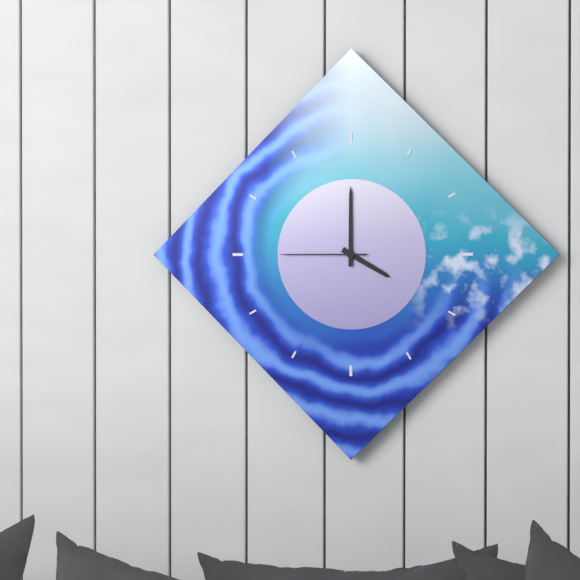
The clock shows h=4 m=0 s=45
